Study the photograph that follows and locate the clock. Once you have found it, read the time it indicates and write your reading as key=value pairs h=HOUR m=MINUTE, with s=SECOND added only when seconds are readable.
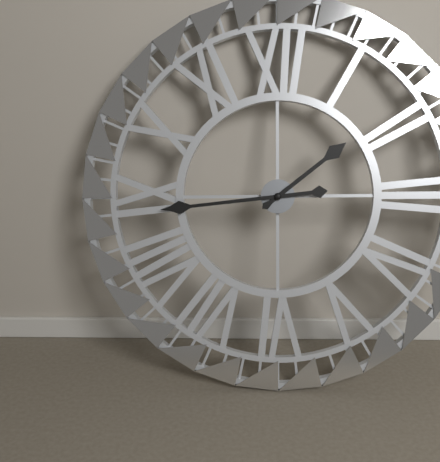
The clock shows h=1 m=44
